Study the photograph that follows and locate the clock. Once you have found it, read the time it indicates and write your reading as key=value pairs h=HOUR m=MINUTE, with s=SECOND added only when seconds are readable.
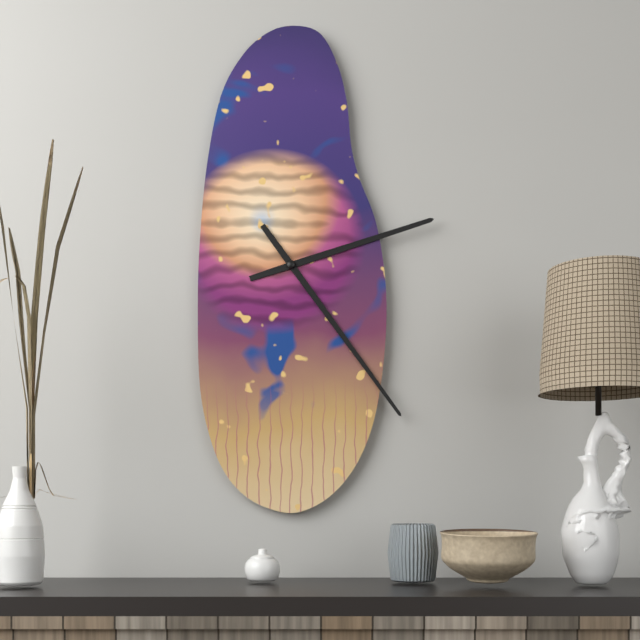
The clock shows h=2 m=24
